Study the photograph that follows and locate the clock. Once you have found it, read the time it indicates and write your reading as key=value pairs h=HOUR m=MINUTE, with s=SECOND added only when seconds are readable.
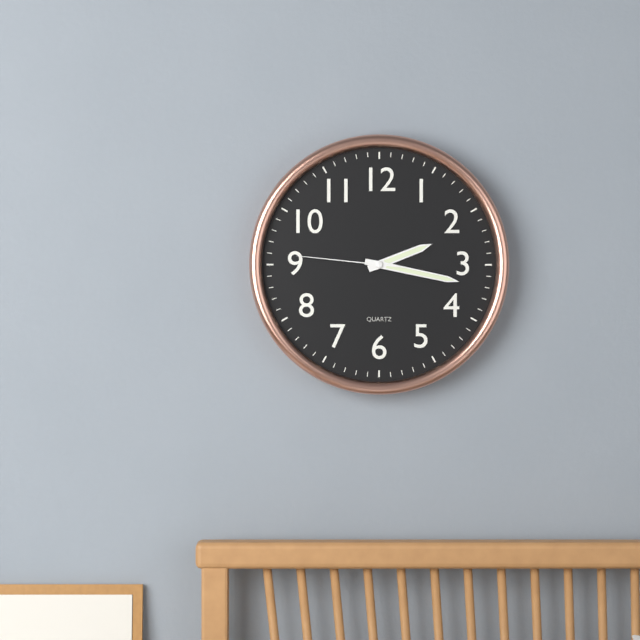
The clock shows h=2 m=17 s=46
